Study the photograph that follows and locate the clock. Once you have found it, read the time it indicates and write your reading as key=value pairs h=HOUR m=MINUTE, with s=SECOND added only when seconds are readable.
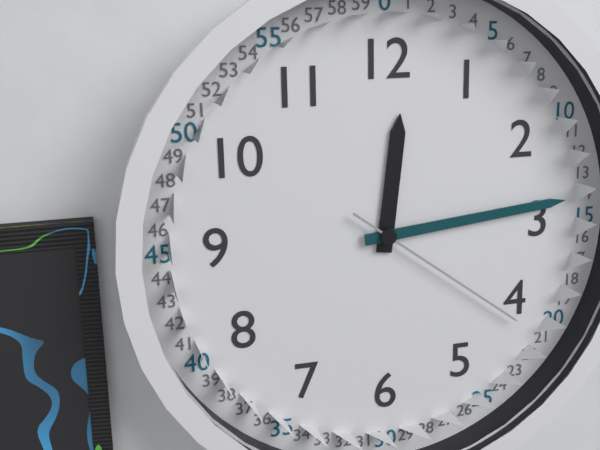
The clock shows h=12 m=14 s=21
